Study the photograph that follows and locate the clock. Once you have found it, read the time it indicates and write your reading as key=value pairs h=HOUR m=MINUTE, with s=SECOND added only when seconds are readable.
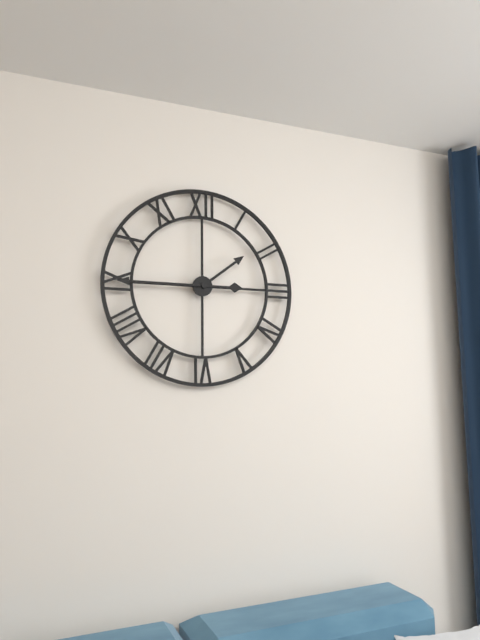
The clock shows h=1 m=45
